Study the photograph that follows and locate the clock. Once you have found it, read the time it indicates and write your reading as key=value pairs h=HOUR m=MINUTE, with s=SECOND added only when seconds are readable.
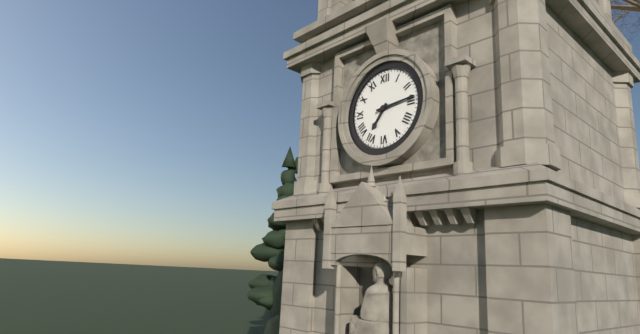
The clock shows h=7 m=14
